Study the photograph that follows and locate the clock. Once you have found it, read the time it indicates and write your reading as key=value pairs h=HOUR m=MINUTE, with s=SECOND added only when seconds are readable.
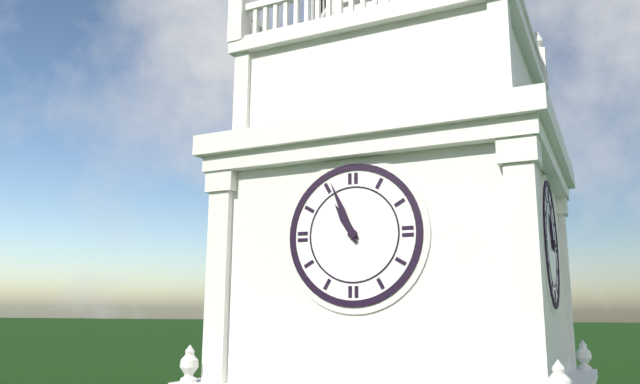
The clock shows h=10 m=56
